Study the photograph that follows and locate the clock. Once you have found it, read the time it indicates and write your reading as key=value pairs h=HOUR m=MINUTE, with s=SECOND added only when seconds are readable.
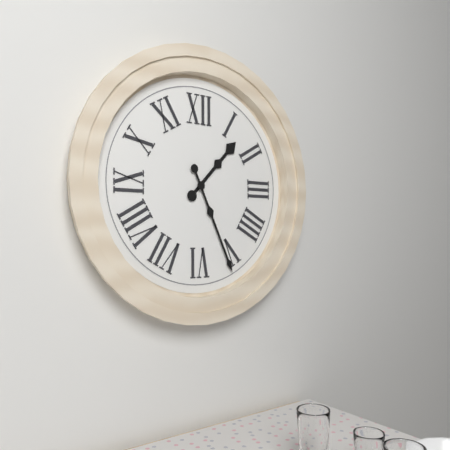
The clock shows h=1 m=26
